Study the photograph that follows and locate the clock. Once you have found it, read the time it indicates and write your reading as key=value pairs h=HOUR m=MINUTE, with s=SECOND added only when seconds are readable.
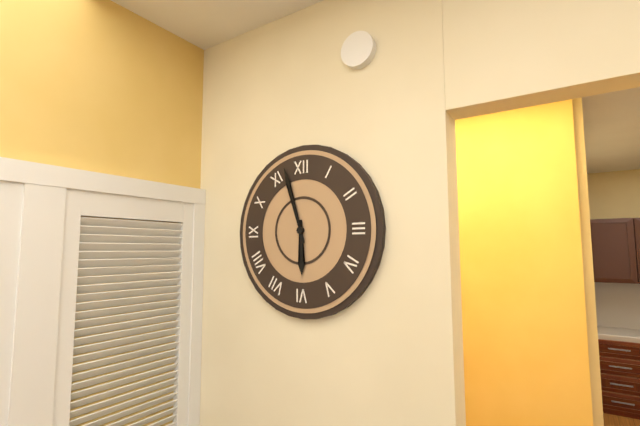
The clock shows h=5 m=57
